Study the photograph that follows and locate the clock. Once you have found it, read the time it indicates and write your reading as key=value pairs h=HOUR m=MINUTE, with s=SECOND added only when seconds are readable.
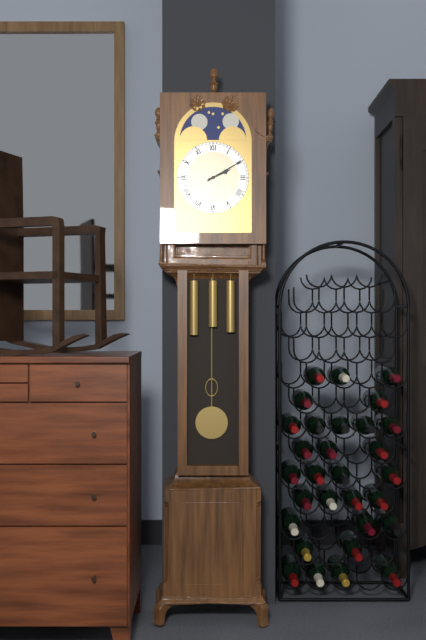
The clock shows h=2 m=10
